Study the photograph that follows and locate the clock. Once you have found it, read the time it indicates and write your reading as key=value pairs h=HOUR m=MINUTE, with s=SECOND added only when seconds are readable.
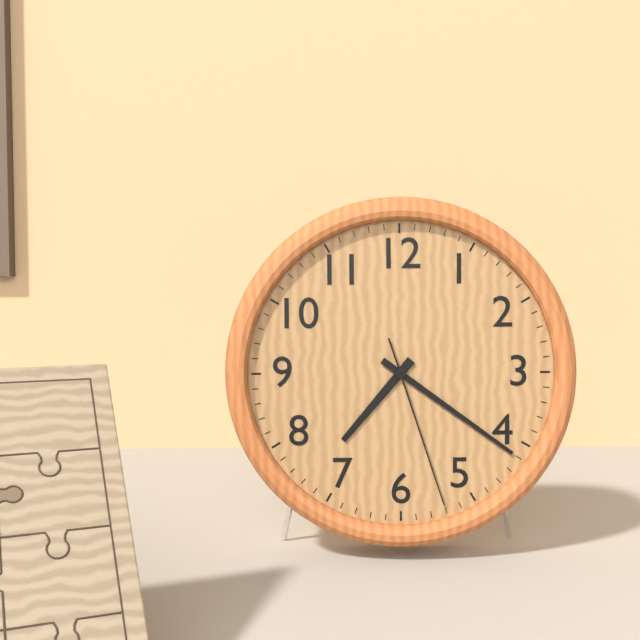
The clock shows h=7 m=21 s=27
